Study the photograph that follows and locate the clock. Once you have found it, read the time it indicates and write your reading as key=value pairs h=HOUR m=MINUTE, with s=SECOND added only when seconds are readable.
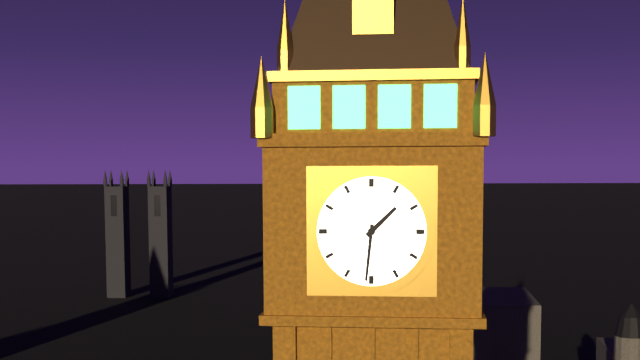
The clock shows h=1 m=31
